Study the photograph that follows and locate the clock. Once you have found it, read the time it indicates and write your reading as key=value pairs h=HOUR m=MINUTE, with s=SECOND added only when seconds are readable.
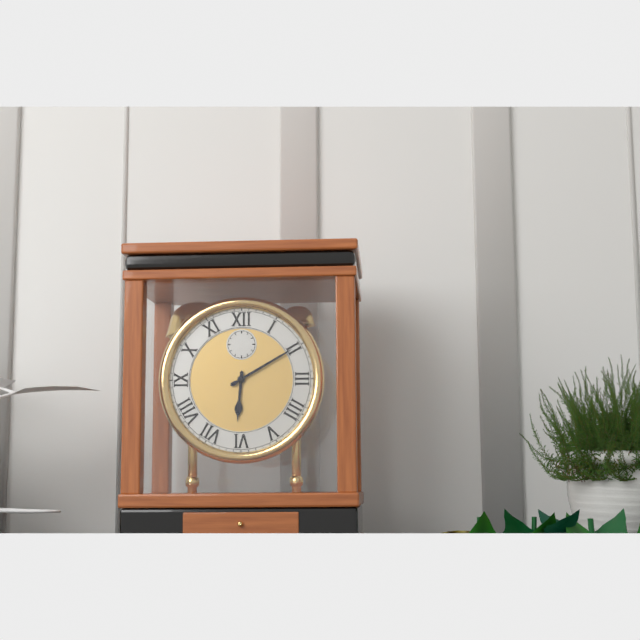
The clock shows h=6 m=10
